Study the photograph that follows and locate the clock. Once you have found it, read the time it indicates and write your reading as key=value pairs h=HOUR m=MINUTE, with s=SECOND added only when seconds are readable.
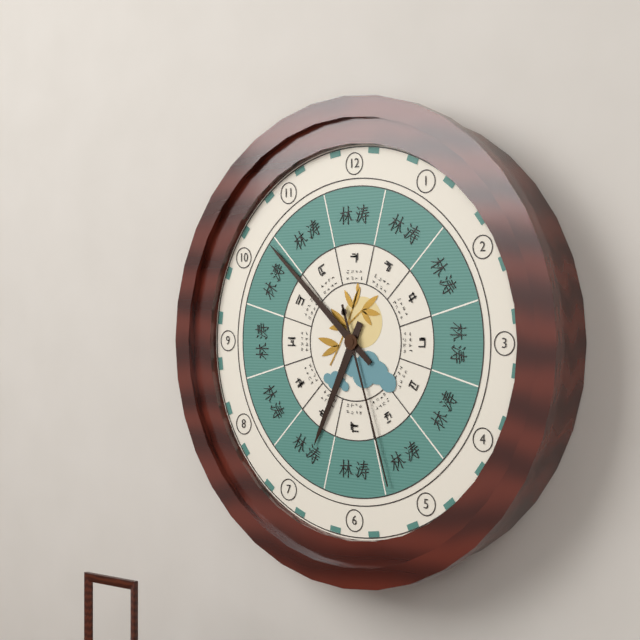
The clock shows h=6 m=52 s=27
